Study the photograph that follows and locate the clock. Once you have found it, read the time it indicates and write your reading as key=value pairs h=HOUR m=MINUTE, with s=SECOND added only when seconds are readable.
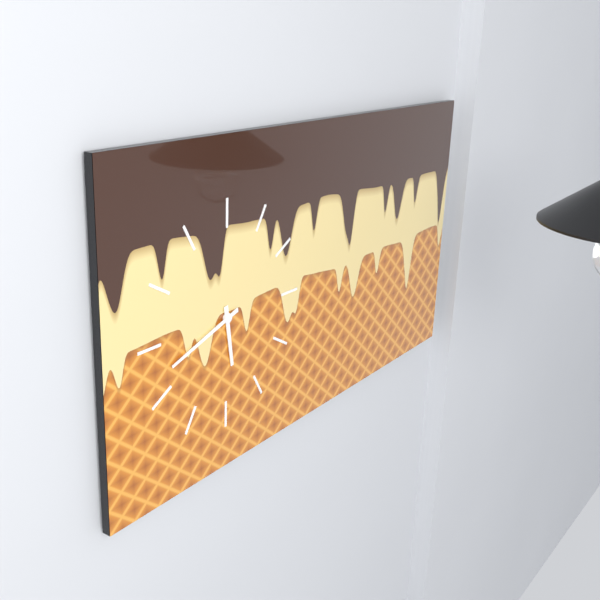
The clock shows h=5 m=42
